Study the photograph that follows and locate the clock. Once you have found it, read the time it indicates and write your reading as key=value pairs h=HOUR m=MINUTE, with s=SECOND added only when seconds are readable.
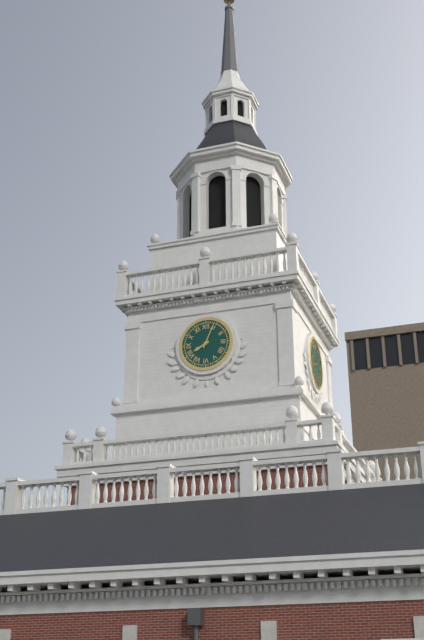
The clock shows h=8 m=4
